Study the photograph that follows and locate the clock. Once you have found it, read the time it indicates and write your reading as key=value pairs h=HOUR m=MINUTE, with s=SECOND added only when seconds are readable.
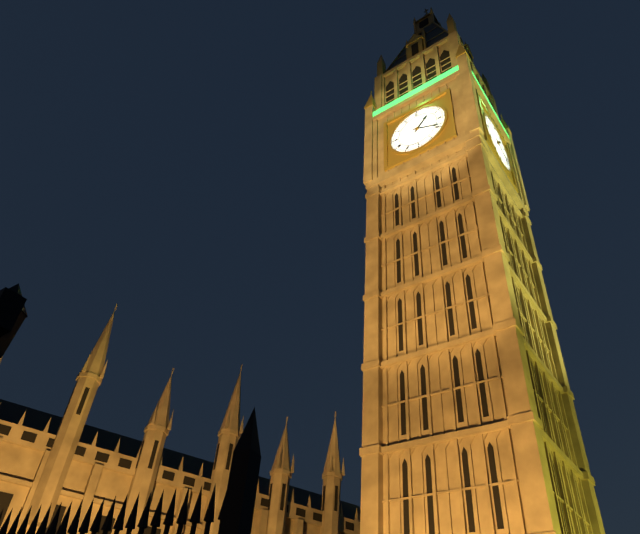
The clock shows h=1 m=19
